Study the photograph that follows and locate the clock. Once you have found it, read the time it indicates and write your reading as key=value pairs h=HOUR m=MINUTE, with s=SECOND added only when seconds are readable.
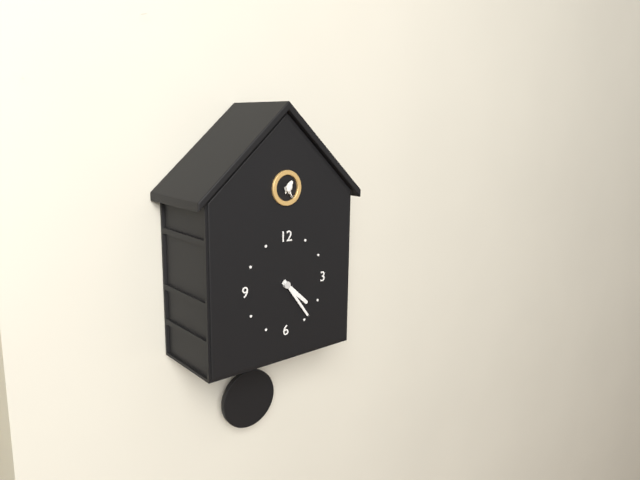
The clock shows h=4 m=24
